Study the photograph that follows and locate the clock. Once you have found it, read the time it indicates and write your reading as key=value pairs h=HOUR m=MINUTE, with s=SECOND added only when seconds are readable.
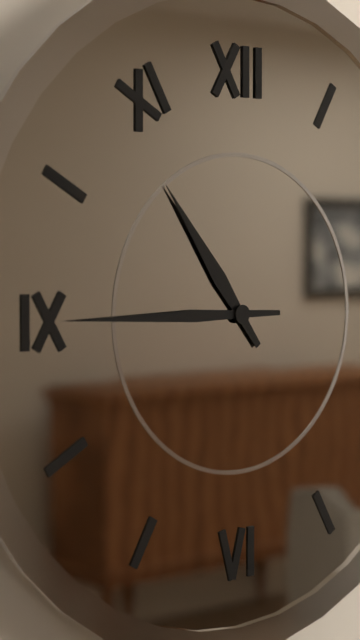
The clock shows h=10 m=45
